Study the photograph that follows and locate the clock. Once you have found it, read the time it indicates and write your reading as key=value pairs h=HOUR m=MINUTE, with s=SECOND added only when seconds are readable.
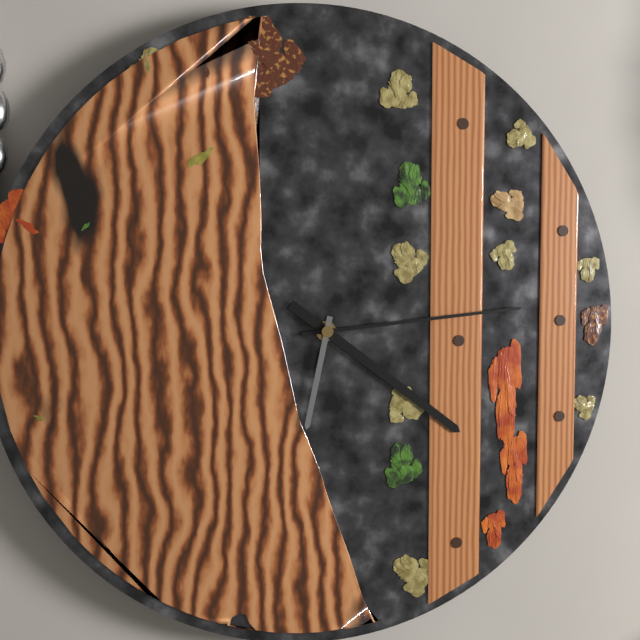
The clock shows h=4 m=14 s=32
